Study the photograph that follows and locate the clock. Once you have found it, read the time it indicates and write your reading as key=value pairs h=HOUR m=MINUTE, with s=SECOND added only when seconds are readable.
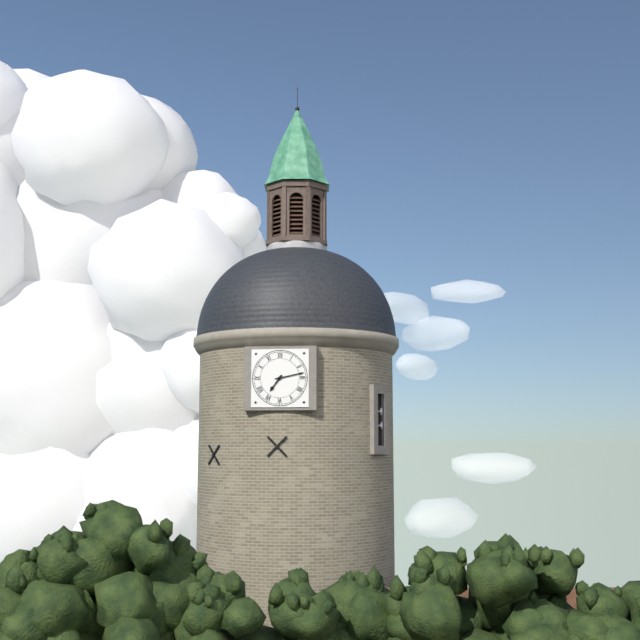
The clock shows h=7 m=13
